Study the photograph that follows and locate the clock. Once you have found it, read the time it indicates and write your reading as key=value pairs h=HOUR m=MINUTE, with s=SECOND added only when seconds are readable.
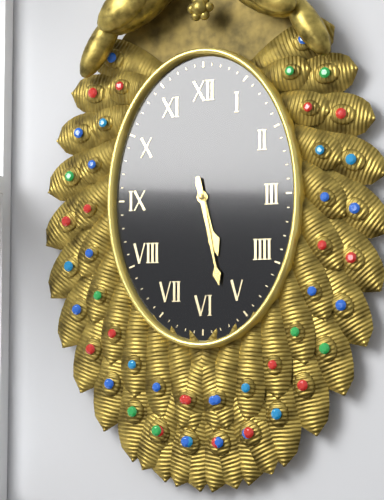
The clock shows h=5 m=28
